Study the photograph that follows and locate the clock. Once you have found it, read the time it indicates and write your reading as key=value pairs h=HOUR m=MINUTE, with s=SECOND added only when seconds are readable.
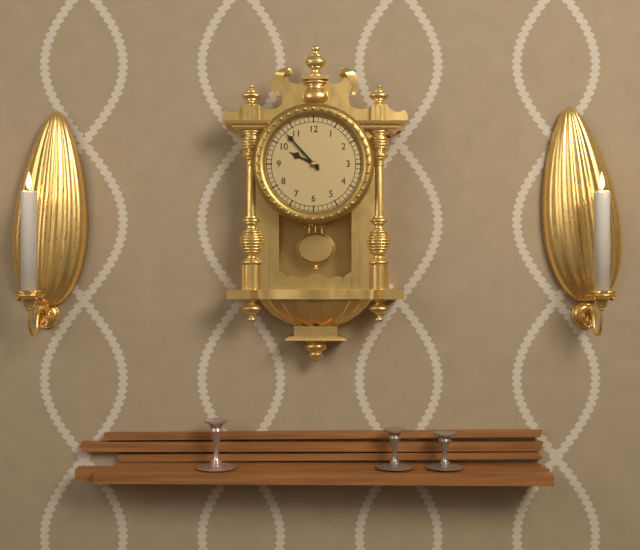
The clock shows h=9 m=53
